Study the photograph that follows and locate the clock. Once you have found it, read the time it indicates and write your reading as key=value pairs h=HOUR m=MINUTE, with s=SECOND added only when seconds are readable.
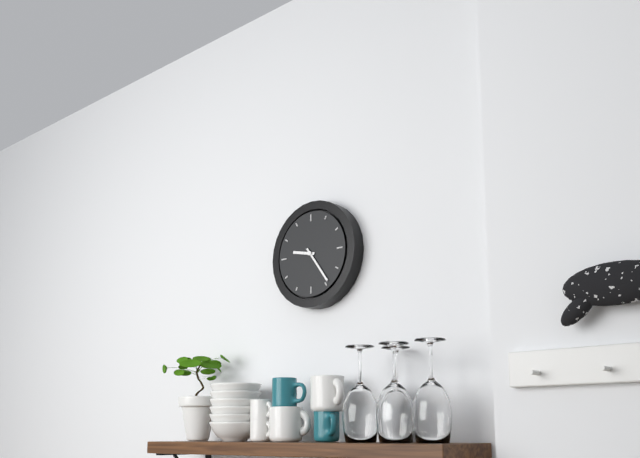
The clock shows h=9 m=24
